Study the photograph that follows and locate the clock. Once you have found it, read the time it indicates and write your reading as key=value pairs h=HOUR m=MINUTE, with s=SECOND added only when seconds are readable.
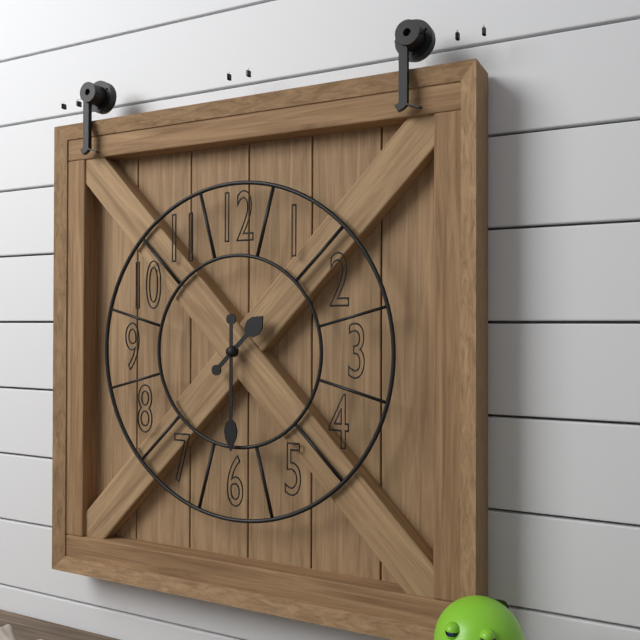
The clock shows h=1 m=30
